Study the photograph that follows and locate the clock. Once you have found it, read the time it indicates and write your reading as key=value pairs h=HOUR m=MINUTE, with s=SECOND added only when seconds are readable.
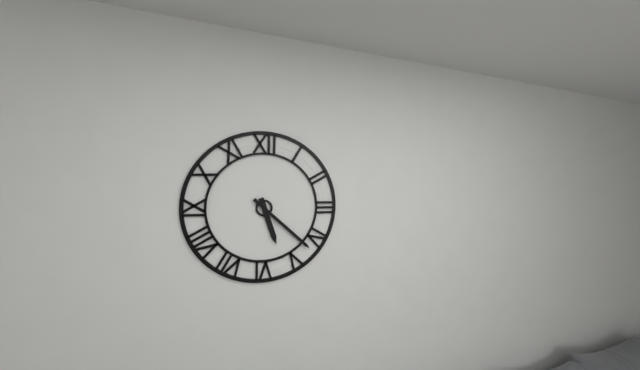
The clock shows h=5 m=22
